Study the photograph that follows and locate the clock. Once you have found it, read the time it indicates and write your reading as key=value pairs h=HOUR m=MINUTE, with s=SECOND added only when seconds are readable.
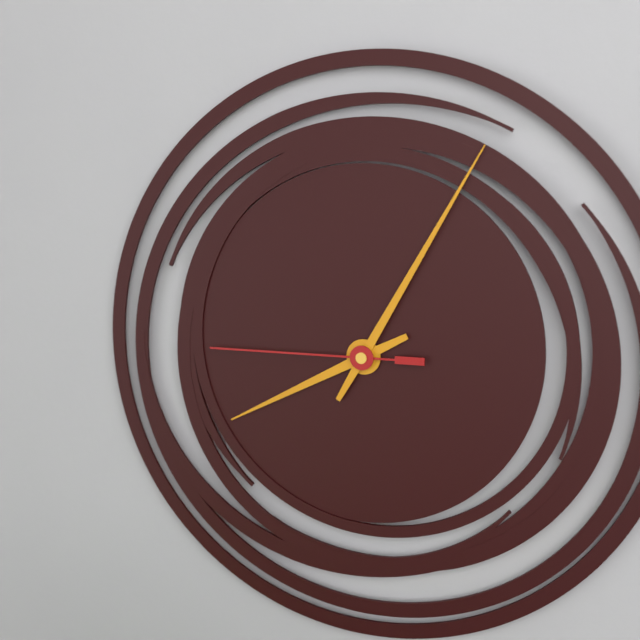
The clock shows h=8 m=5 s=45
